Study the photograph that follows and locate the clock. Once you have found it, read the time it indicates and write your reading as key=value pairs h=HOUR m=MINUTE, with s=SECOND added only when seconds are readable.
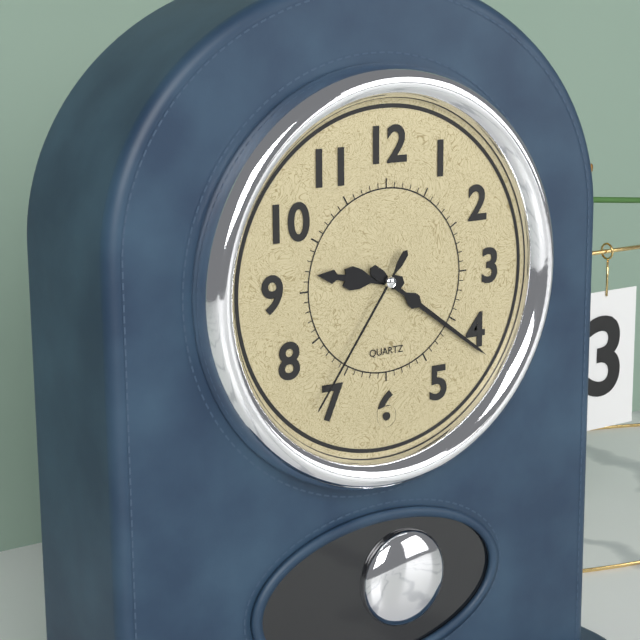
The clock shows h=9 m=21 s=36
